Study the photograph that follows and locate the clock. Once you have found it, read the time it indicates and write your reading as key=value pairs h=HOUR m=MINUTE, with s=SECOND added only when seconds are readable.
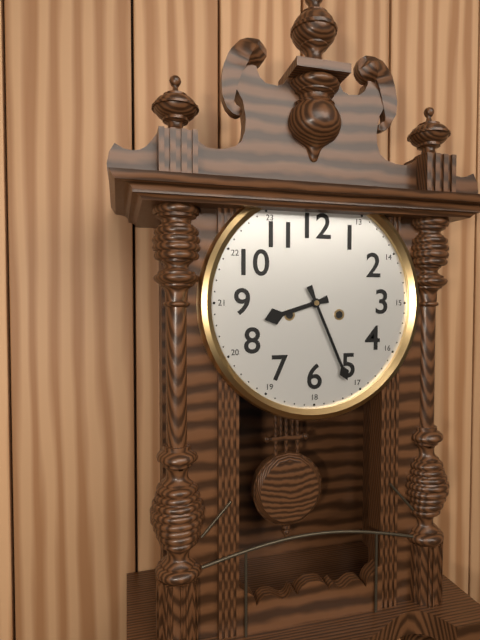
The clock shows h=8 m=26
